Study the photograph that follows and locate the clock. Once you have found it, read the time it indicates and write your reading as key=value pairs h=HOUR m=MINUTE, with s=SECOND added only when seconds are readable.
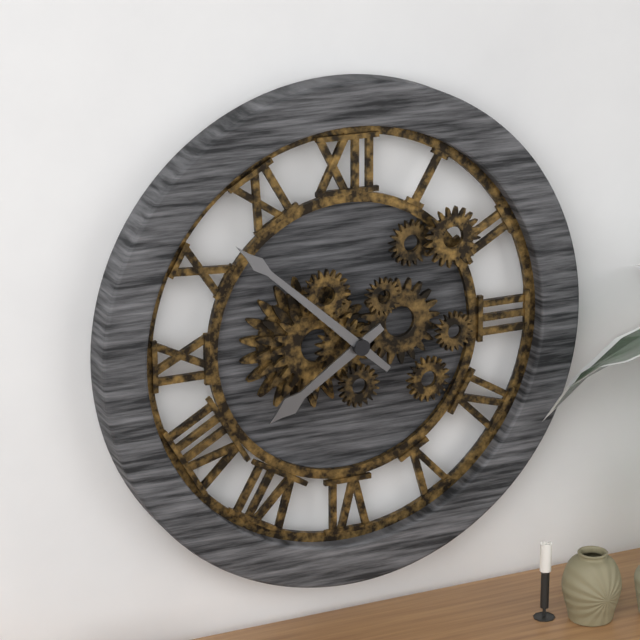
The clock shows h=7 m=52
